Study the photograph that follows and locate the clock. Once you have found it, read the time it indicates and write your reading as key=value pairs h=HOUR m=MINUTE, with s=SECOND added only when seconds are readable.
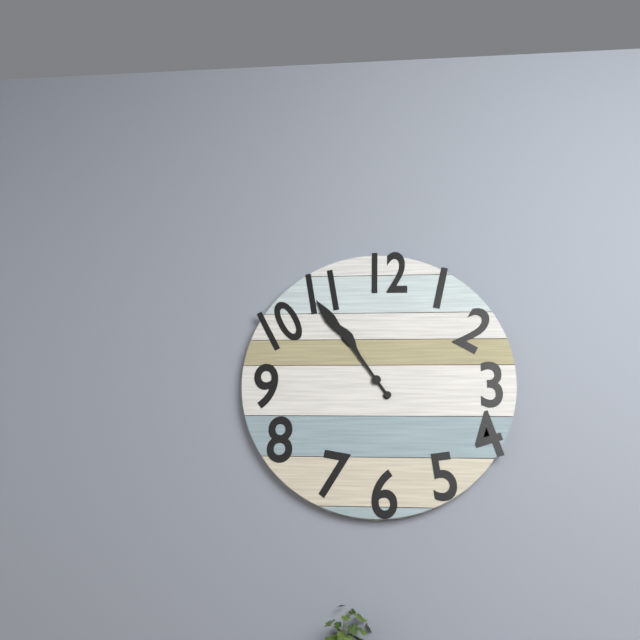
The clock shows h=10 m=54
